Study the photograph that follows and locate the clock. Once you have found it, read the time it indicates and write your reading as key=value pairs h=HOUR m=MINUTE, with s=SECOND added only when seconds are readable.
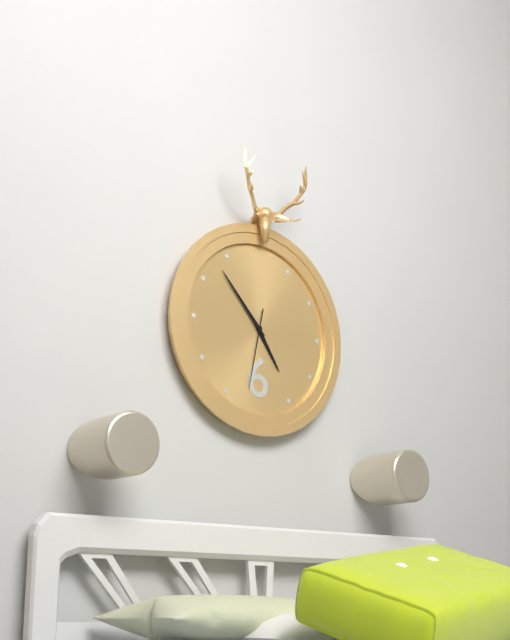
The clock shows h=4 m=53 s=32
